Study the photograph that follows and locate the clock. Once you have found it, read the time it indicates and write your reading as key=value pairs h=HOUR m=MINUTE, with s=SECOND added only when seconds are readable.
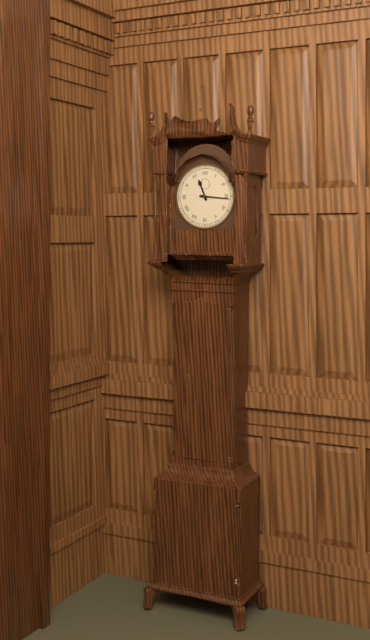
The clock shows h=11 m=16
